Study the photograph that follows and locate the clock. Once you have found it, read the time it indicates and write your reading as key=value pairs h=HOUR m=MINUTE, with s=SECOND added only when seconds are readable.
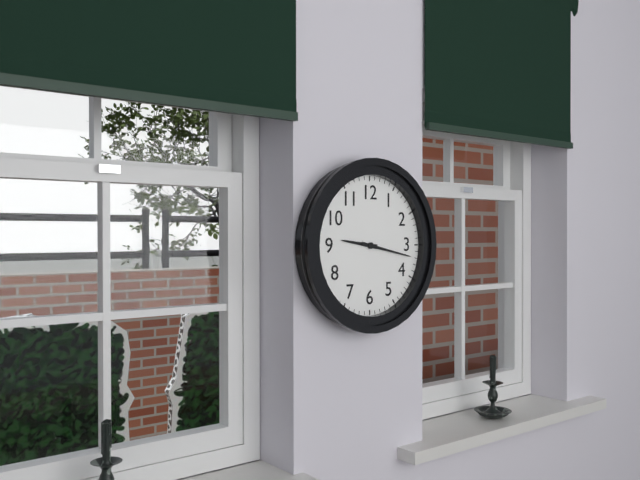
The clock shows h=9 m=17
